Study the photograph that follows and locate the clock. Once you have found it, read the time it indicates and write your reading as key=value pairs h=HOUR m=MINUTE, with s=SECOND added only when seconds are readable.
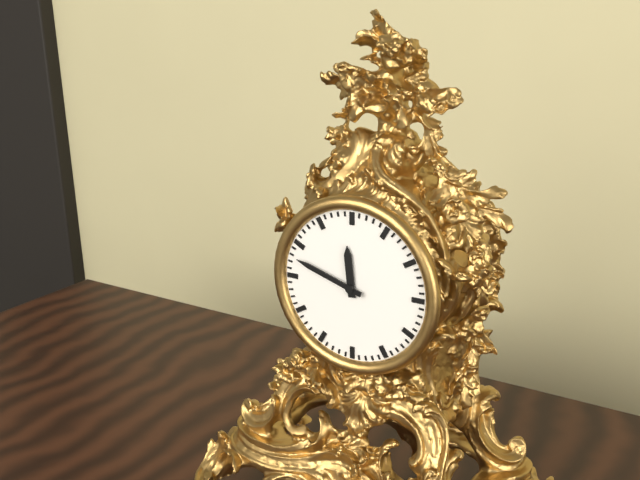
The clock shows h=11 m=48
